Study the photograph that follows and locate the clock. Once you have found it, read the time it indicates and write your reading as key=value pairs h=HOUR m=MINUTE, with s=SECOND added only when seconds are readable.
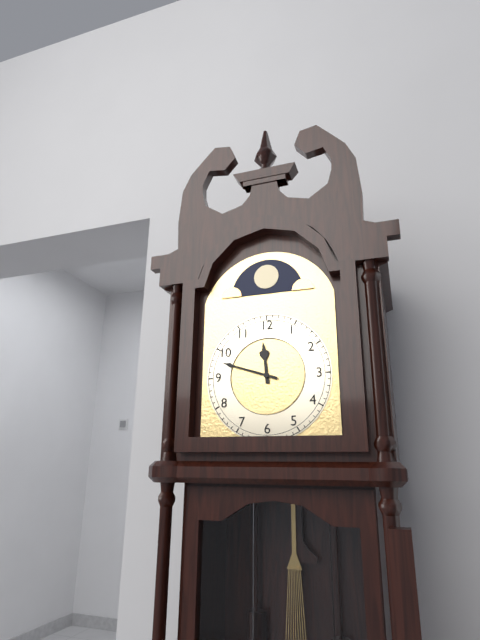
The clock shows h=11 m=48
